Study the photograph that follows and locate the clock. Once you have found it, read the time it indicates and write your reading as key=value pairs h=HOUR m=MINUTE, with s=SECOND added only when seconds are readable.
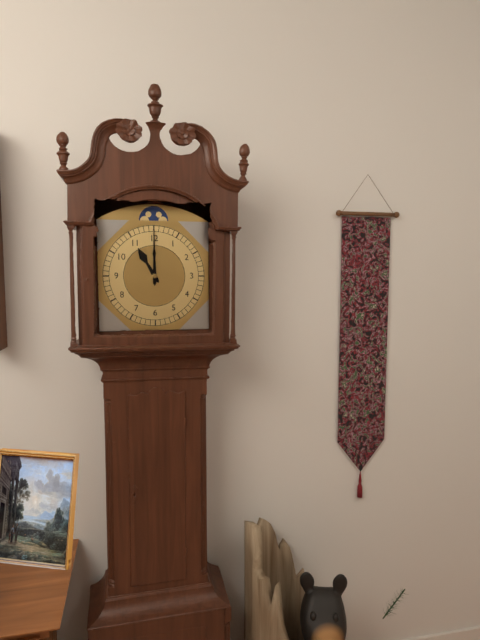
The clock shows h=11 m=0
